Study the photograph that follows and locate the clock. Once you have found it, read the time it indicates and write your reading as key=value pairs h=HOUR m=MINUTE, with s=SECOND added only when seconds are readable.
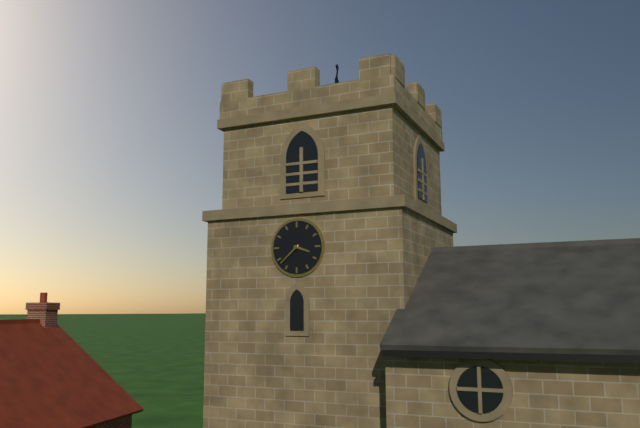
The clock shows h=3 m=38
